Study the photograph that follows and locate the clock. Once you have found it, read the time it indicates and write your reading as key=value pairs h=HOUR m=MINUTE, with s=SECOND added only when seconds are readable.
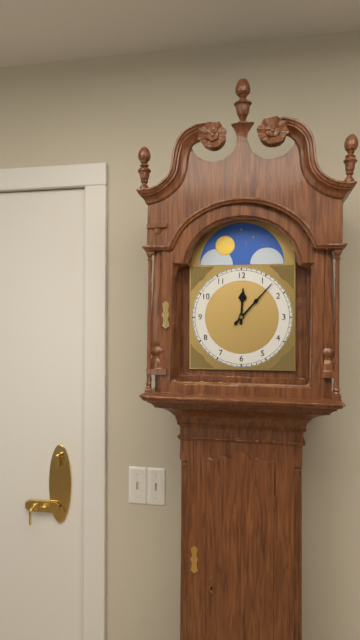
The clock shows h=12 m=7
